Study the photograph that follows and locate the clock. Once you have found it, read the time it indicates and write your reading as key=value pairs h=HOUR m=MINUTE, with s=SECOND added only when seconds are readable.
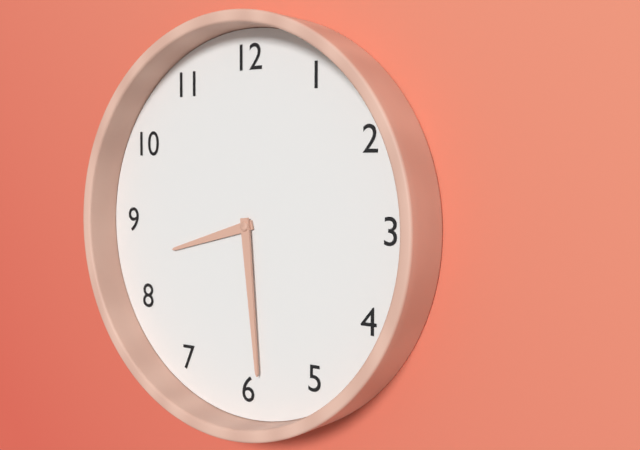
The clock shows h=8 m=29
